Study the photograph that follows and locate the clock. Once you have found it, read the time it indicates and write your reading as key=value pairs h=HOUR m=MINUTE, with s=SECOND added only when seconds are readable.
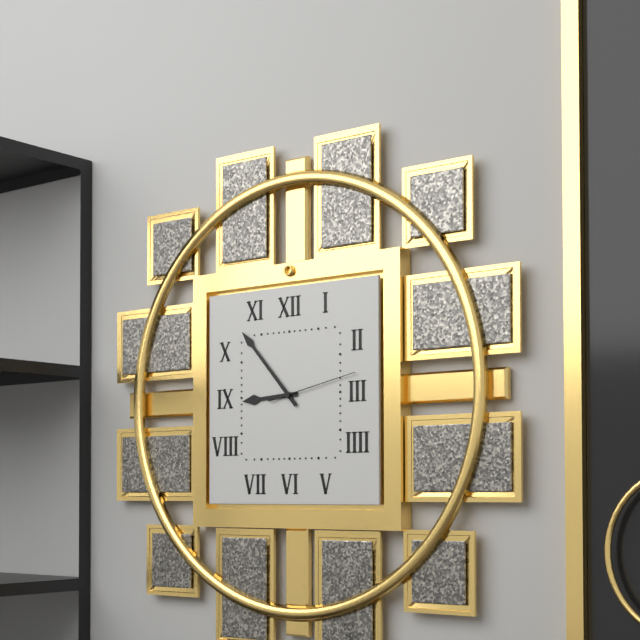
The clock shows h=8 m=53 s=13
